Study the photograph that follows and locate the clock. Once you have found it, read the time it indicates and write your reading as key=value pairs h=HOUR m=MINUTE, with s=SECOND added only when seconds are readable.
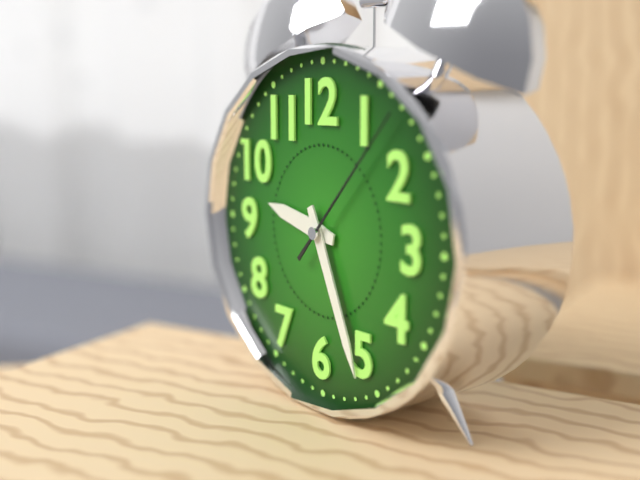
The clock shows h=9 m=26 s=7
